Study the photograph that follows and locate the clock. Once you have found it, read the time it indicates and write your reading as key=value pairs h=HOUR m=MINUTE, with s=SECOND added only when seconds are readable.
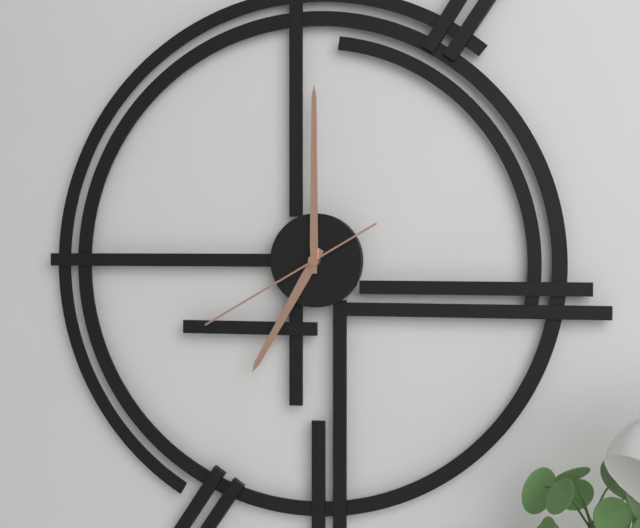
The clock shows h=7 m=0 s=40
